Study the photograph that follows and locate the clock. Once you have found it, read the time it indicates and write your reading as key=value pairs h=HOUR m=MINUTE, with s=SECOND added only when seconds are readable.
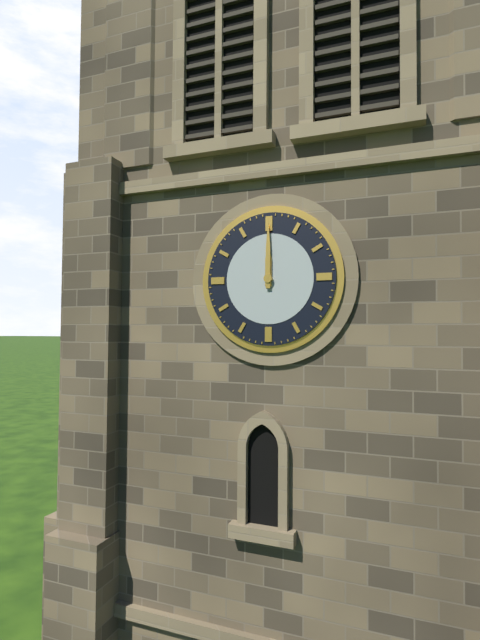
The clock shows h=12 m=0
